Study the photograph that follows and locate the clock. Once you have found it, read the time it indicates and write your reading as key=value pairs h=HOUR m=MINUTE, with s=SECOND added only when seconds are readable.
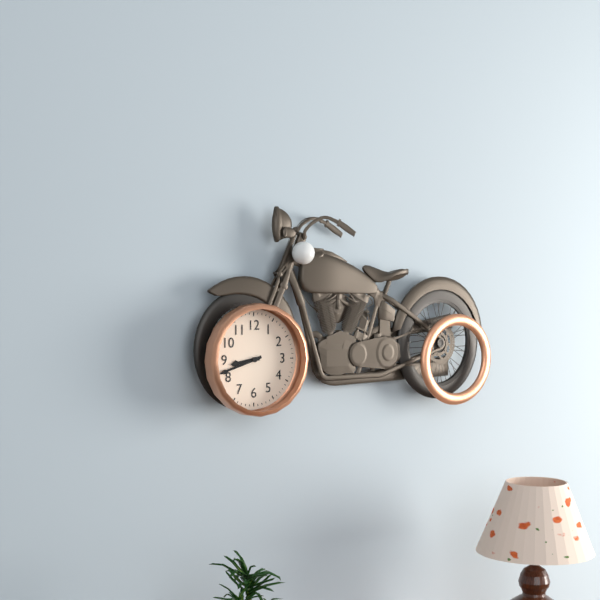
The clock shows h=8 m=42
